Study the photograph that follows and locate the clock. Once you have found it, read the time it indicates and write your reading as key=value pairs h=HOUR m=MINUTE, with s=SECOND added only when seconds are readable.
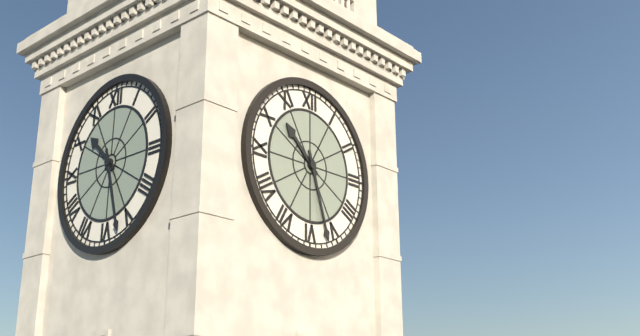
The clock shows h=10 m=27
